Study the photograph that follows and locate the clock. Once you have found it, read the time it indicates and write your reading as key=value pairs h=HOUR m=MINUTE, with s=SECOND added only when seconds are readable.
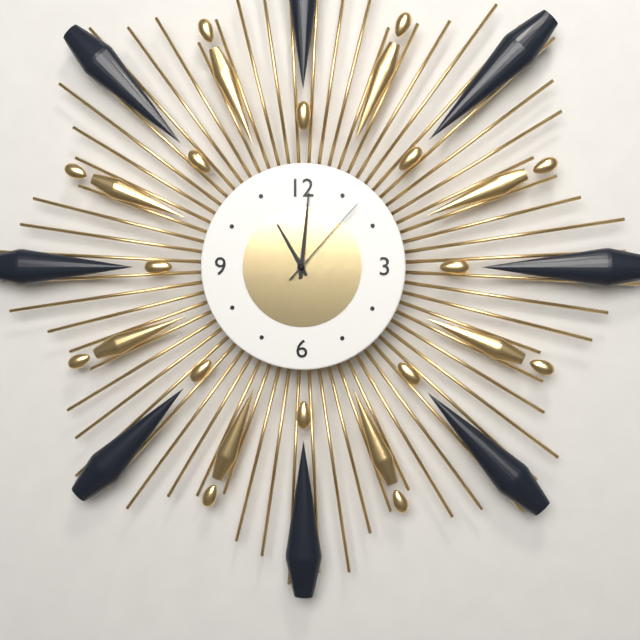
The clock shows h=11 m=1 s=7
